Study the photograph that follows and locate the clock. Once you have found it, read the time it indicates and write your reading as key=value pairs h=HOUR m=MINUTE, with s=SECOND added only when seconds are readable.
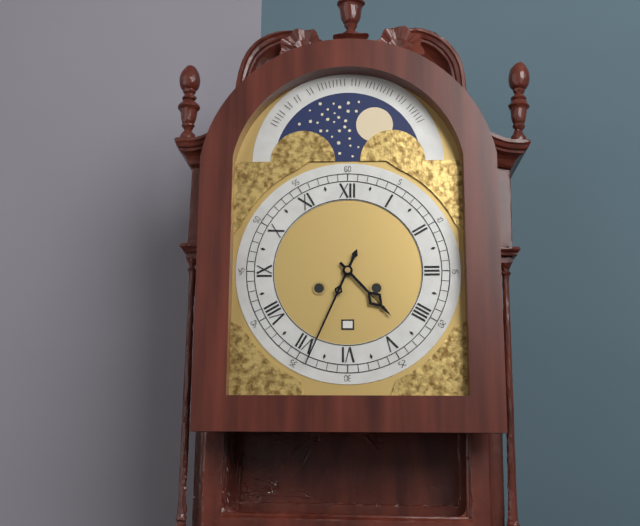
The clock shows h=4 m=34
